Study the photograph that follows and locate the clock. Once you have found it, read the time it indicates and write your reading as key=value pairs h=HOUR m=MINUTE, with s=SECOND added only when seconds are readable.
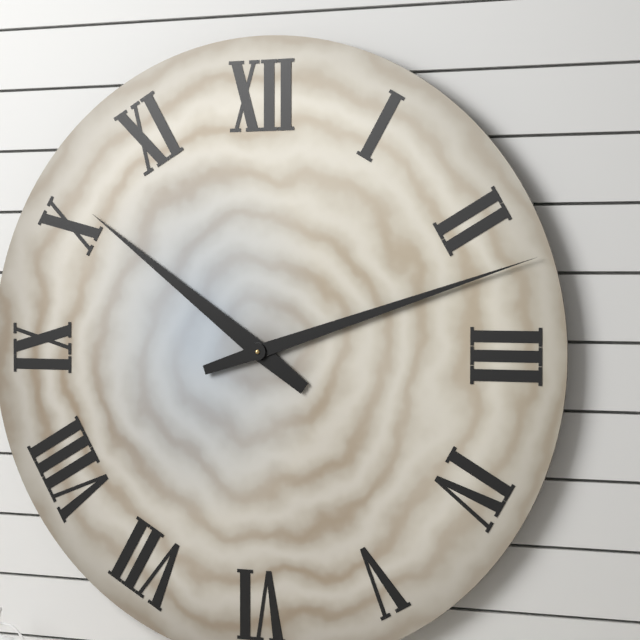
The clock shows h=10 m=12
